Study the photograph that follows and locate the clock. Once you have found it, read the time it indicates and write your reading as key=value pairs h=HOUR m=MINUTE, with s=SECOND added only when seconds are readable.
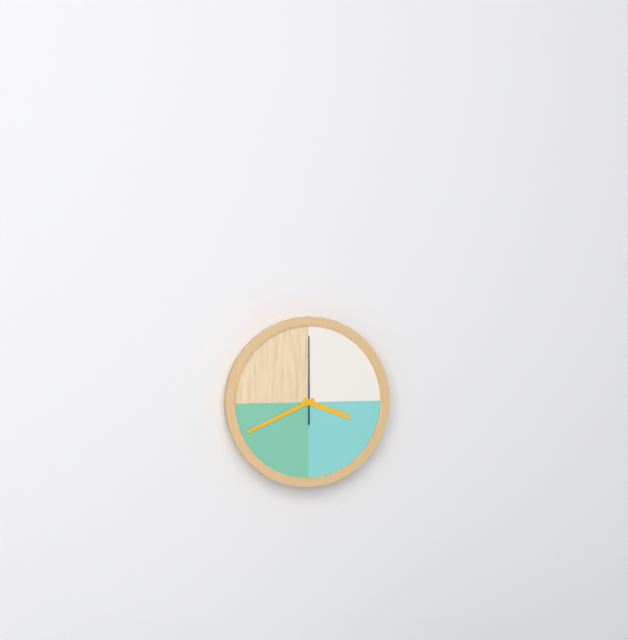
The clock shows h=3 m=41 s=0
